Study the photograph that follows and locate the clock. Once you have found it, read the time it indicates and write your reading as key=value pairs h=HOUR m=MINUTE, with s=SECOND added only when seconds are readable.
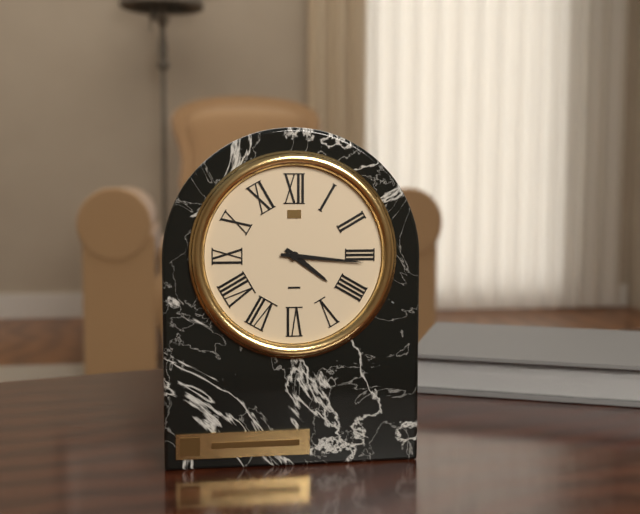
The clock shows h=4 m=16
